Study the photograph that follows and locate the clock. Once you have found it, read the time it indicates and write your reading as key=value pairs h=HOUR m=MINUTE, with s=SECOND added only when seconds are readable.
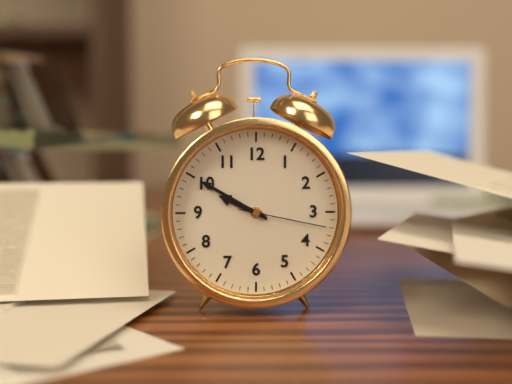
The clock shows h=9 m=50 s=17
